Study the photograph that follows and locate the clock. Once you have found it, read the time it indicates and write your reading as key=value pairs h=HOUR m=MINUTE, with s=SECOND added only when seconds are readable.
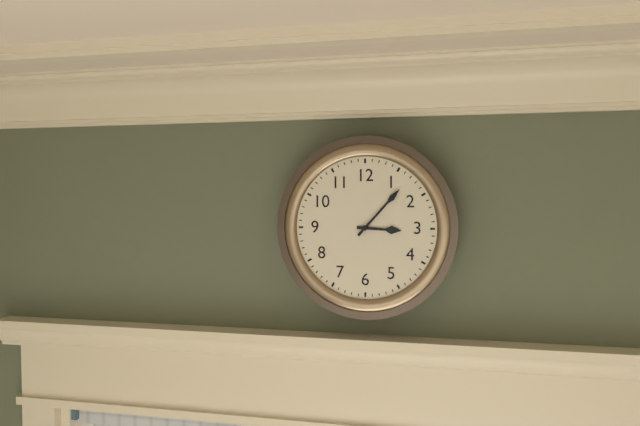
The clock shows h=3 m=7
